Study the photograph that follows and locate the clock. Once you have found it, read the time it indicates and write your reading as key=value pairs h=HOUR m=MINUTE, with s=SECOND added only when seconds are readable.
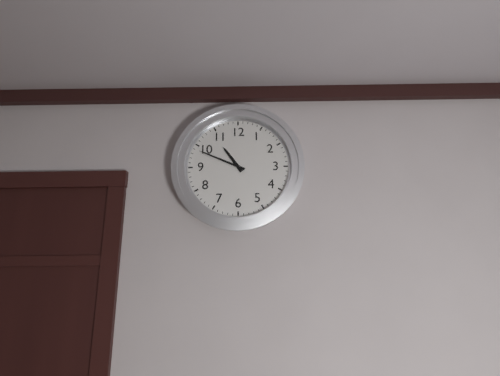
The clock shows h=10 m=49
